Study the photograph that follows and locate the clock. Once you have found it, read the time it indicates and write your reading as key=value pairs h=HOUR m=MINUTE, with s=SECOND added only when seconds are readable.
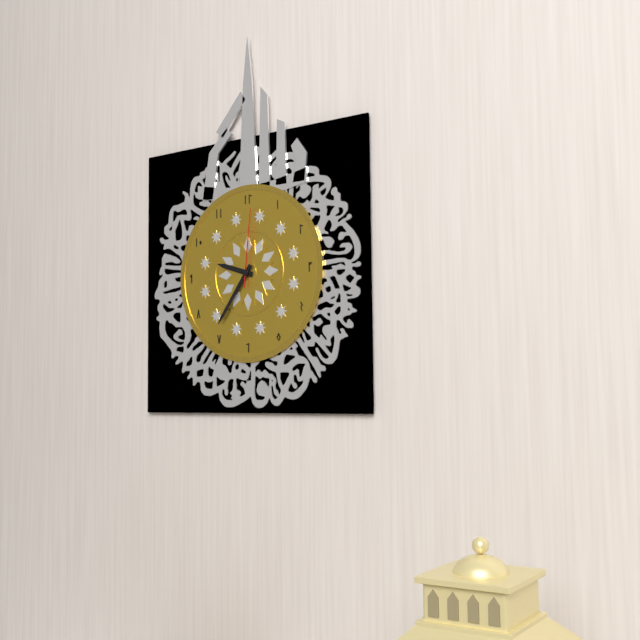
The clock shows h=9 m=36 s=1
